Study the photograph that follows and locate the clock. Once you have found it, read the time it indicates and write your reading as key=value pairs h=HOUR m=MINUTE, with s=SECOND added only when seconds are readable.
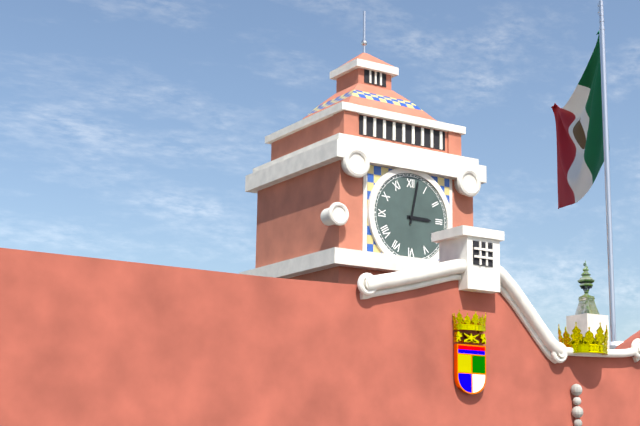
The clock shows h=3 m=2
